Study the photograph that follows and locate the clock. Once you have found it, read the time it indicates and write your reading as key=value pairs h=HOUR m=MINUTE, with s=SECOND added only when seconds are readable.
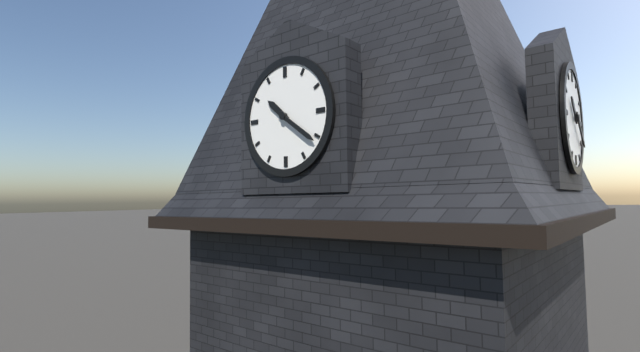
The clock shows h=10 m=21
